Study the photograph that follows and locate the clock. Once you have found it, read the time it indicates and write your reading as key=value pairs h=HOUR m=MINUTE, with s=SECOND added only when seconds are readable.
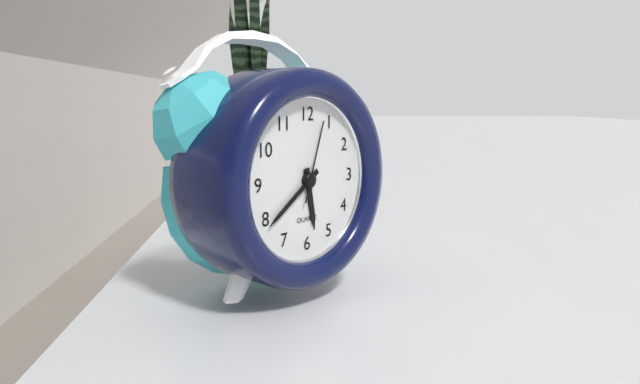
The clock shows h=5 m=39 s=3
